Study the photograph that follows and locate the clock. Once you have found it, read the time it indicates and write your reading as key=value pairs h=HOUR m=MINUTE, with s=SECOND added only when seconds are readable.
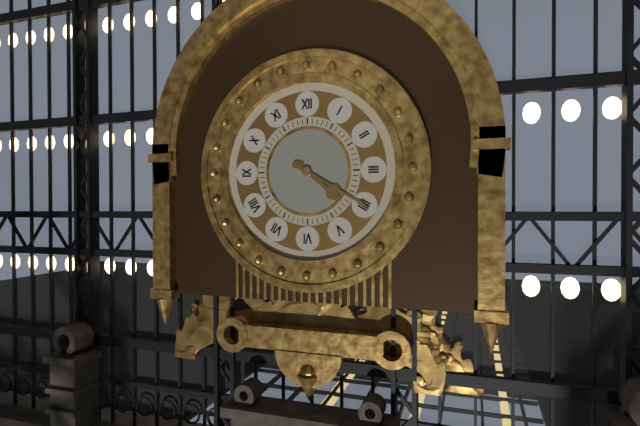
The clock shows h=4 m=20
